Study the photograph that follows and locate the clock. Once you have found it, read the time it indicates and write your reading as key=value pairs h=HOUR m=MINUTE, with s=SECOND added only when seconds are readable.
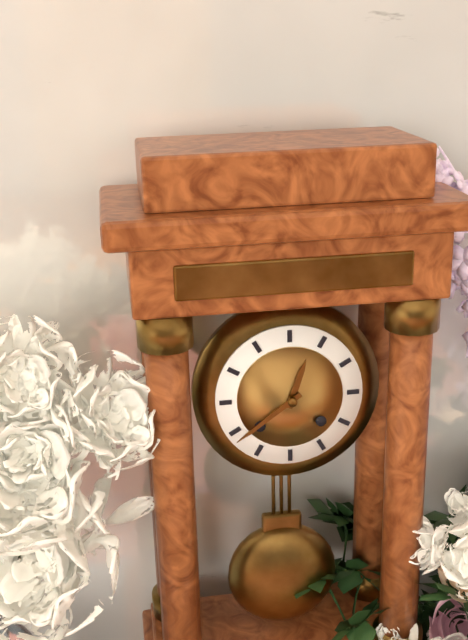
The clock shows h=12 m=39
